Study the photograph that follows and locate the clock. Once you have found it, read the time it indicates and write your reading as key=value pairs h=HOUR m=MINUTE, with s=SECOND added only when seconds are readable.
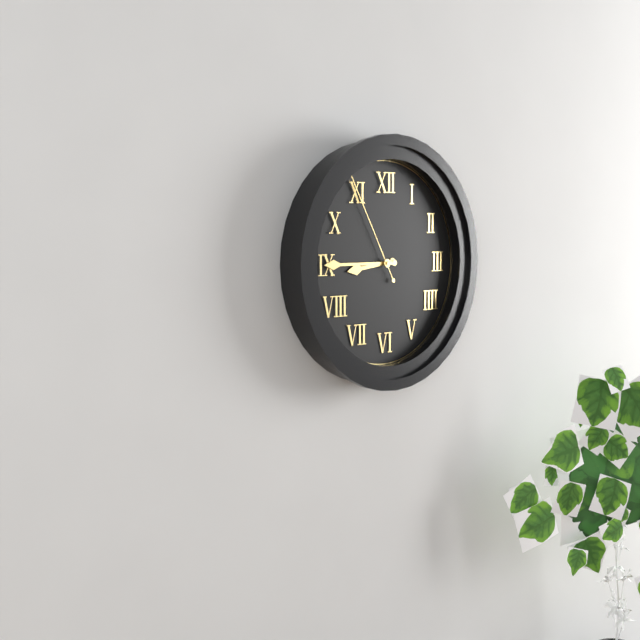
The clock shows h=8 m=45 s=55
